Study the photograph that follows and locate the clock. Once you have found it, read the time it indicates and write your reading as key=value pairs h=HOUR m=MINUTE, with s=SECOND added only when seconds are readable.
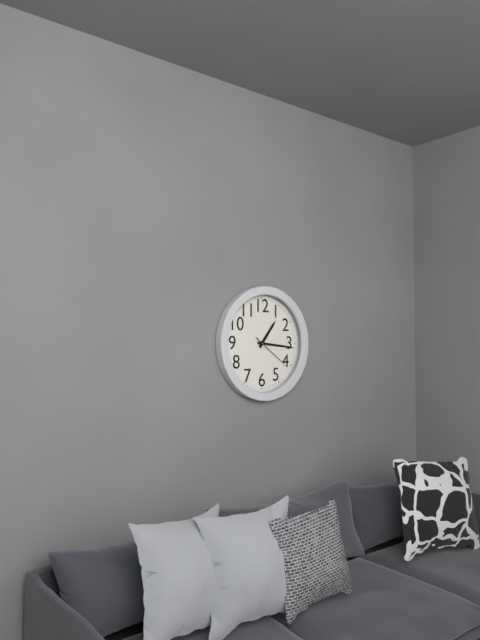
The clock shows h=1 m=16
